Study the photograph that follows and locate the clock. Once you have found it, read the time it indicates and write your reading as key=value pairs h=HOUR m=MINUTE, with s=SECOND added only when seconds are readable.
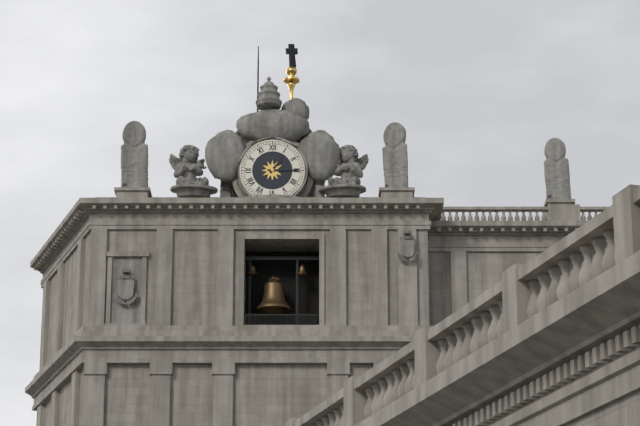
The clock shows h=1 m=15
